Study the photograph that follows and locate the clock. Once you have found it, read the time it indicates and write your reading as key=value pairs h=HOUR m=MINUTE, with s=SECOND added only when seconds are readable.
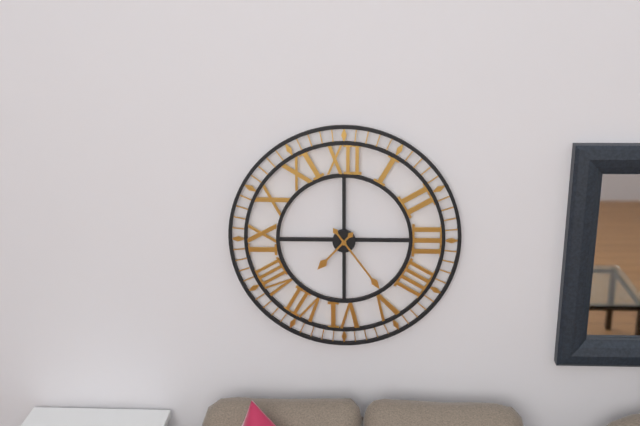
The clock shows h=7 m=24
